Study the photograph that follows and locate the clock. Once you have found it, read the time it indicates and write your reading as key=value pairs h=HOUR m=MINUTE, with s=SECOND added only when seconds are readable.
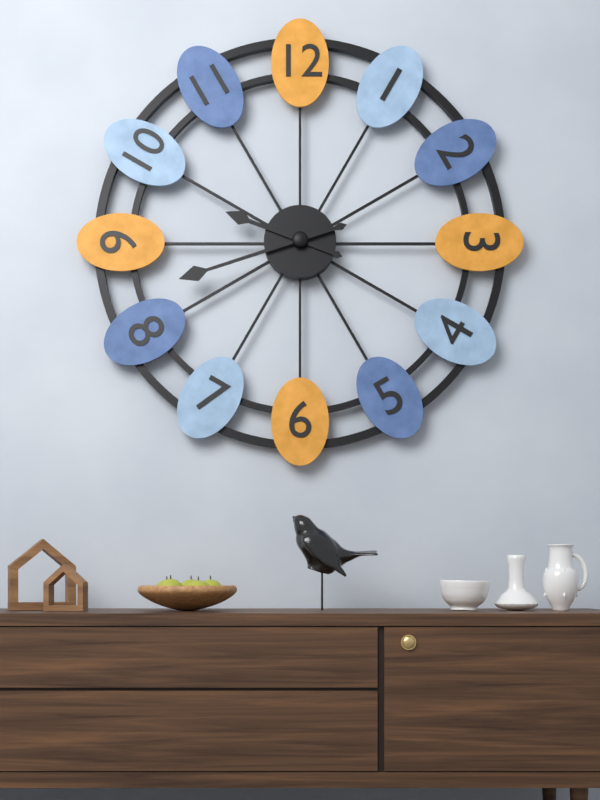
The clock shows h=9 m=42
